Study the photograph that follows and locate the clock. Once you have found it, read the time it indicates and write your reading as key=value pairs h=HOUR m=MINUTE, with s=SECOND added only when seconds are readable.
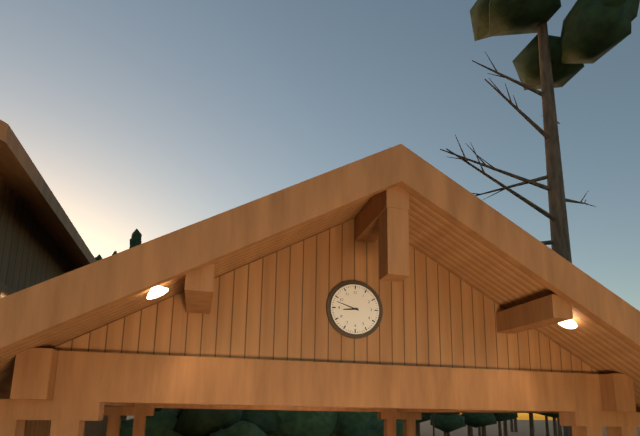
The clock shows h=8 m=48
